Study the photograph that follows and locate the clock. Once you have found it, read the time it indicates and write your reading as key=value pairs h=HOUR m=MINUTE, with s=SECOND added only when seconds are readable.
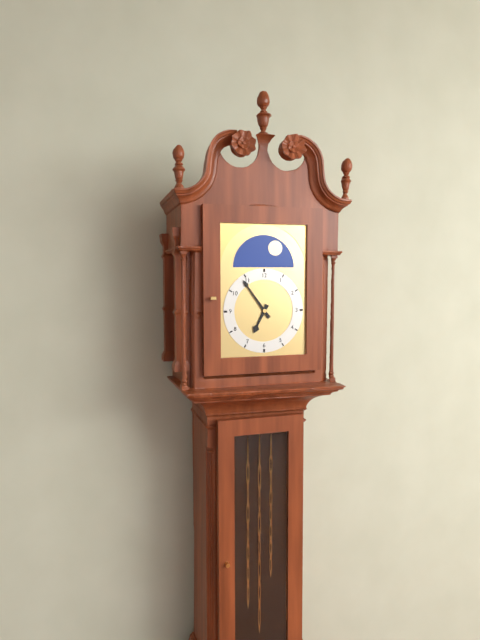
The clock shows h=6 m=54
